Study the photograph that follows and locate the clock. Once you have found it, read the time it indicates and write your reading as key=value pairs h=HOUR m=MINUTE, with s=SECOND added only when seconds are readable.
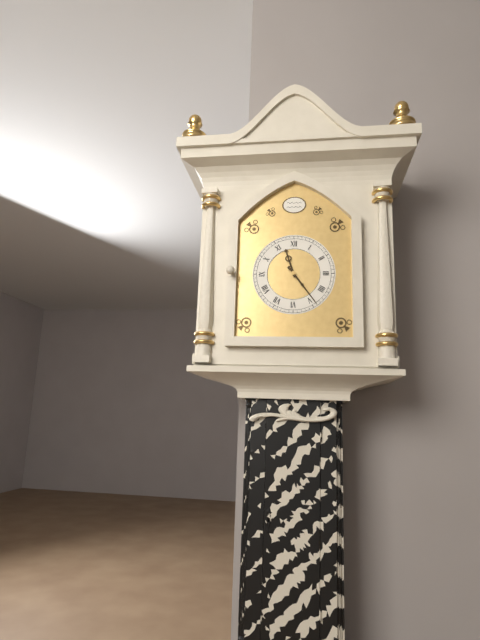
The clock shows h=11 m=24
